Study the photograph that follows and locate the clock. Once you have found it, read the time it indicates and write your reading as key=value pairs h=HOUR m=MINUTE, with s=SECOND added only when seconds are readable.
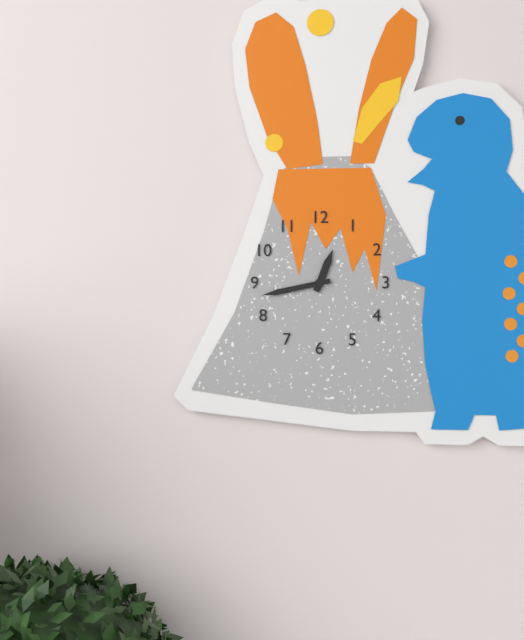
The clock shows h=12 m=43
